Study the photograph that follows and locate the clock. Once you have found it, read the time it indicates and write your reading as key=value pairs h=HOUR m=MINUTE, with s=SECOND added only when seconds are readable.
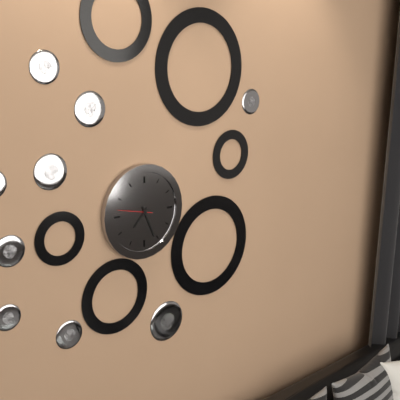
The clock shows h=7 m=26
